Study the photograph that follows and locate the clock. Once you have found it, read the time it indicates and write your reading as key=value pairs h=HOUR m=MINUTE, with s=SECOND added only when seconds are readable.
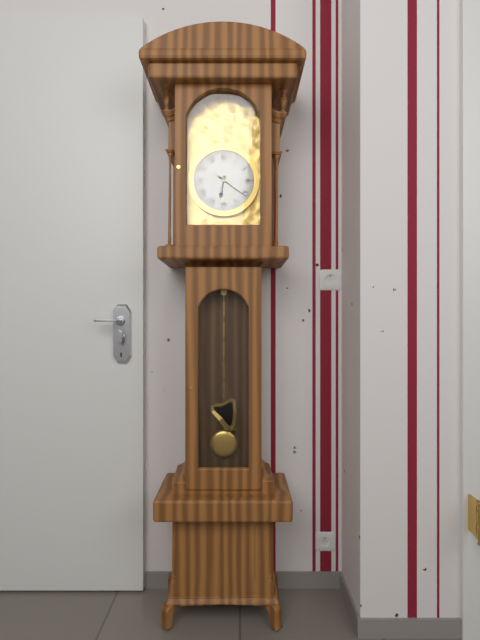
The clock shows h=6 m=21
